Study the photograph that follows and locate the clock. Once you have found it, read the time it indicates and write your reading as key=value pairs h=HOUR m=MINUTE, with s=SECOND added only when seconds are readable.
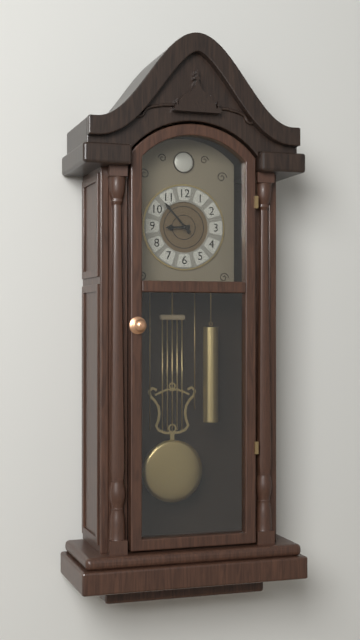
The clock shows h=8 m=53
